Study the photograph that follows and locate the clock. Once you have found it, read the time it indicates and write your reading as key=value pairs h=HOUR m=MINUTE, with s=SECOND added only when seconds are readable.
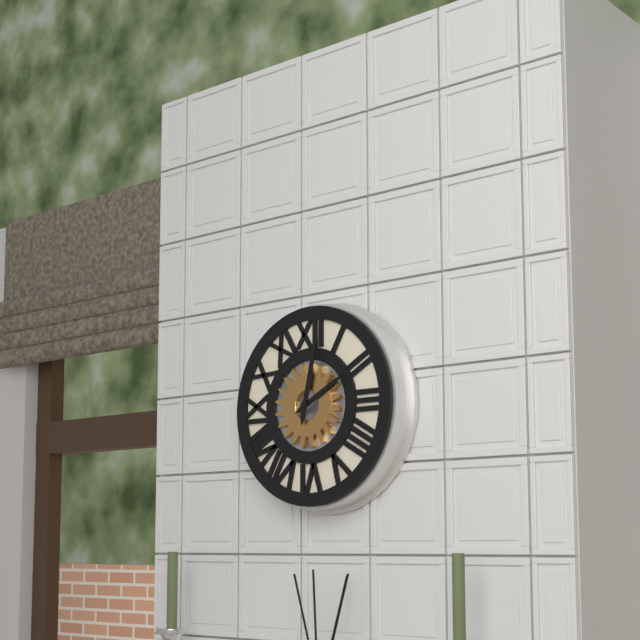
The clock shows h=2 m=2
